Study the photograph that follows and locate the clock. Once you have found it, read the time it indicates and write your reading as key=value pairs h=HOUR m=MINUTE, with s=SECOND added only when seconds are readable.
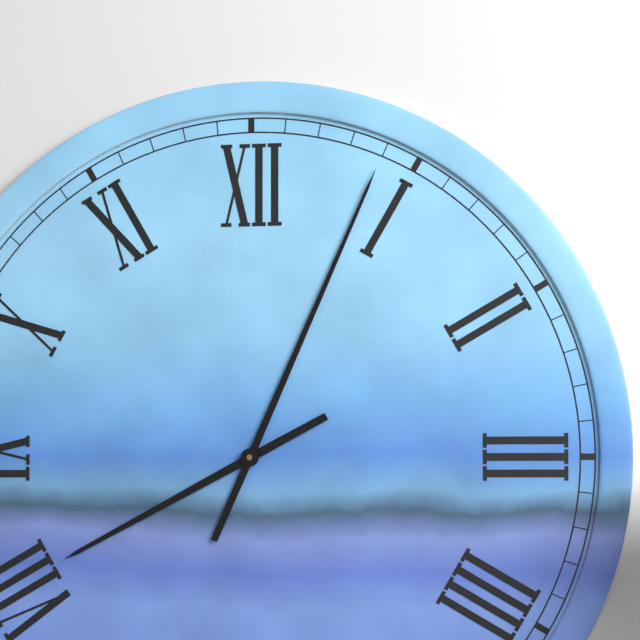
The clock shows h=8 m=4
